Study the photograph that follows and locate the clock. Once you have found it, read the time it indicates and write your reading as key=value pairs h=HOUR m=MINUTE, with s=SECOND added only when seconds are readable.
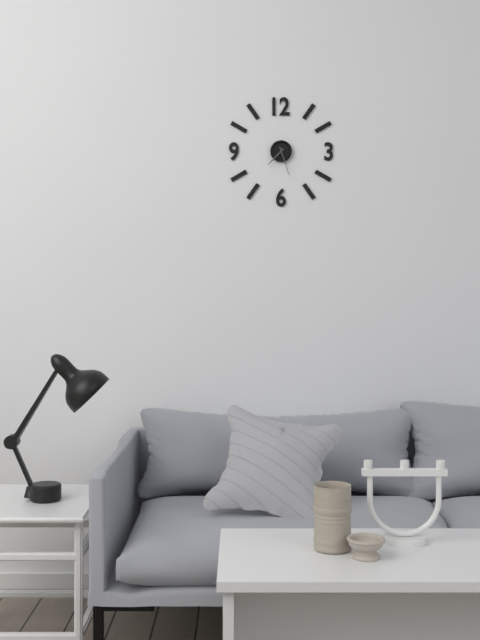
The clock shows h=7 m=27
